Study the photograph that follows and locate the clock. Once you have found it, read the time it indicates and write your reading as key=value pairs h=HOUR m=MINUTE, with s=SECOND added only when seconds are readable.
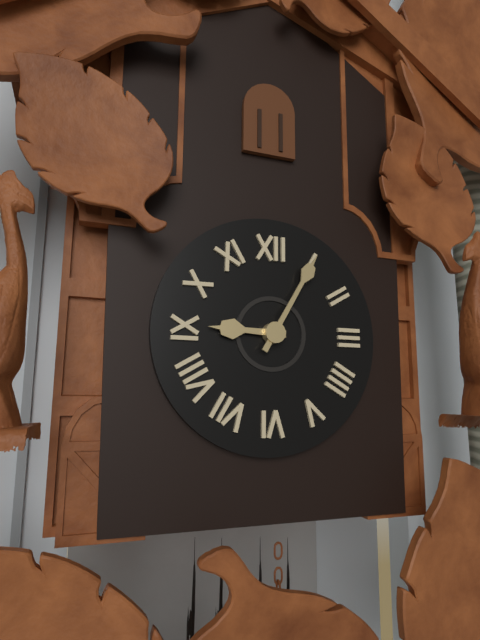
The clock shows h=9 m=5
